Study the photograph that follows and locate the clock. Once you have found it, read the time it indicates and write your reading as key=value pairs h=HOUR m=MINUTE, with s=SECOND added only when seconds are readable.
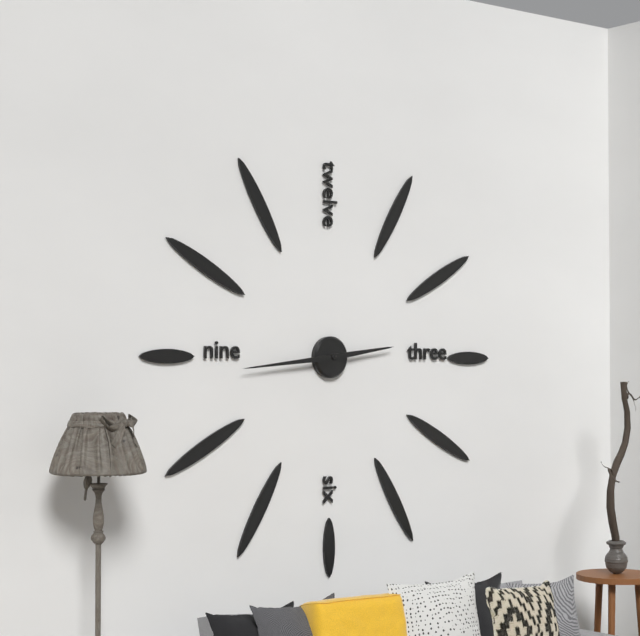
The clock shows h=2 m=44
